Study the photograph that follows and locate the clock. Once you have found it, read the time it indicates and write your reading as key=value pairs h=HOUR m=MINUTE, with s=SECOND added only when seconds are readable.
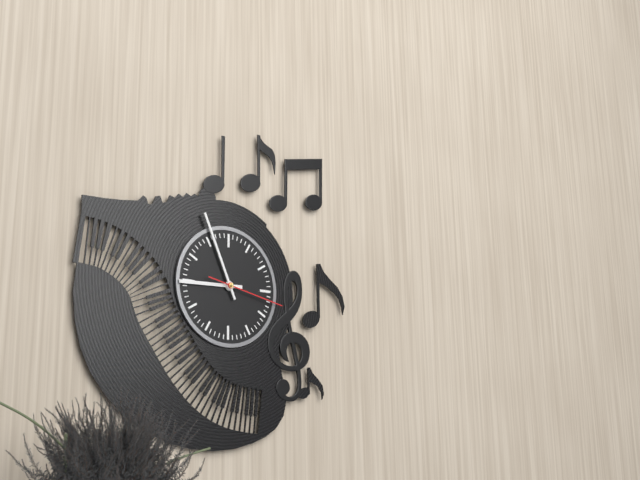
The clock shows h=8 m=56 s=17
